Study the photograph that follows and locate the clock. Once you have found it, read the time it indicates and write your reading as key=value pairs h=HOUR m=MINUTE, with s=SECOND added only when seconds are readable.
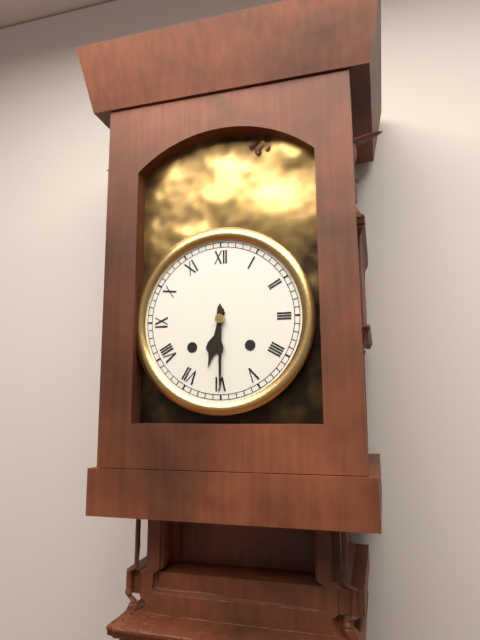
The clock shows h=6 m=30
